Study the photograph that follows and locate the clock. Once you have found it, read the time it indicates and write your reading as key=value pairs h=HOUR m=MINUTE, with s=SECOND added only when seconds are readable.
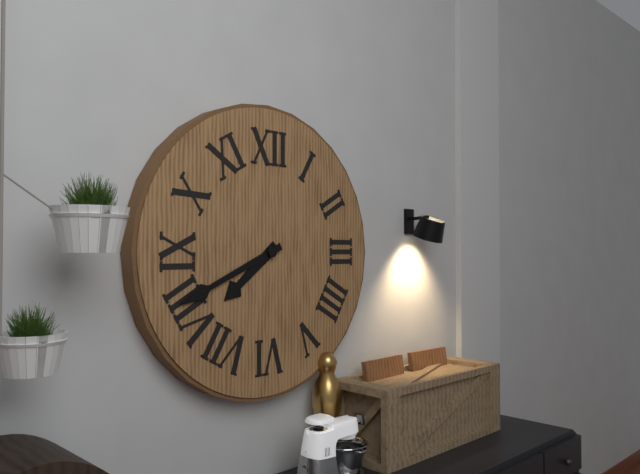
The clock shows h=7 m=41
